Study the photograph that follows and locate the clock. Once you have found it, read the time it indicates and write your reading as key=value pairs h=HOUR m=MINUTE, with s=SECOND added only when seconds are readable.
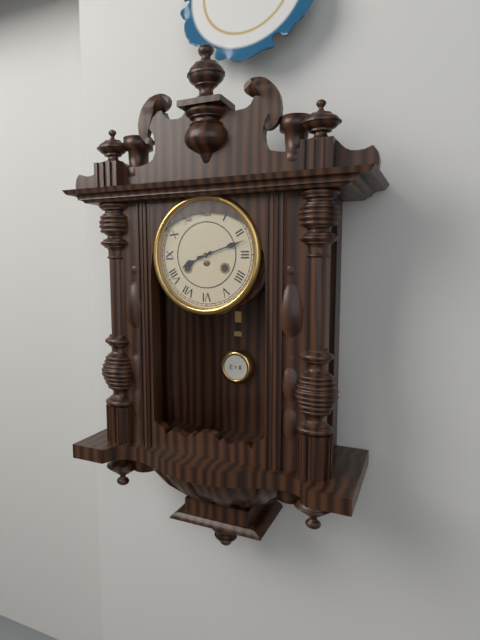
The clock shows h=8 m=12
